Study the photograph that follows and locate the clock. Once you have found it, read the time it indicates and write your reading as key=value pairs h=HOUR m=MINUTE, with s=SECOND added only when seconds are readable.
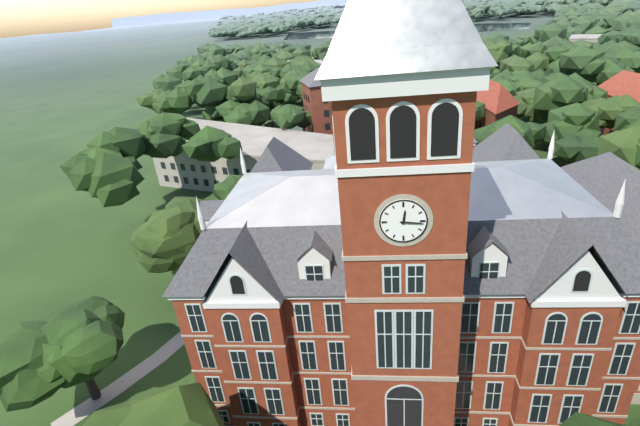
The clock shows h=12 m=16
